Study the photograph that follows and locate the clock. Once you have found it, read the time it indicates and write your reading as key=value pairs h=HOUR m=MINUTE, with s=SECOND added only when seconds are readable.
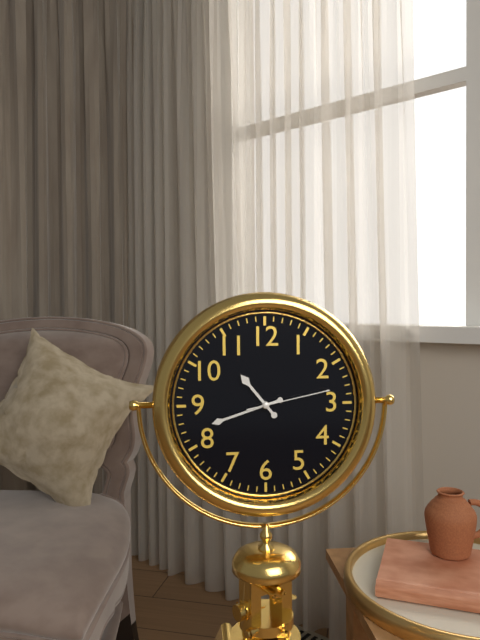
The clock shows h=10 m=42 s=13
